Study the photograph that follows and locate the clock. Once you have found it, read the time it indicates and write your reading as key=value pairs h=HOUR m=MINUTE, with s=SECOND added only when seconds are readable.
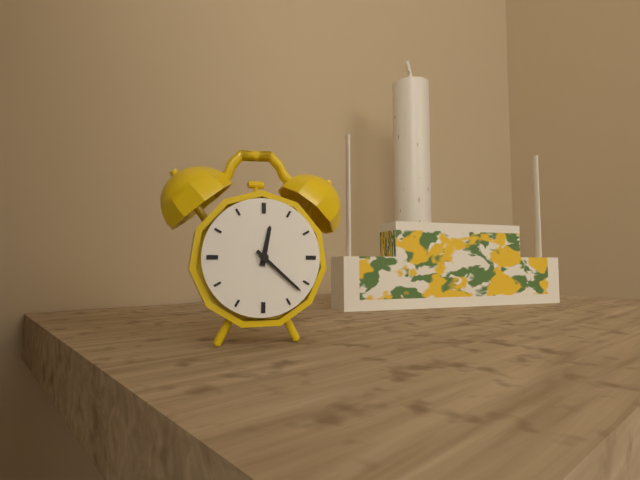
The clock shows h=12 m=22
